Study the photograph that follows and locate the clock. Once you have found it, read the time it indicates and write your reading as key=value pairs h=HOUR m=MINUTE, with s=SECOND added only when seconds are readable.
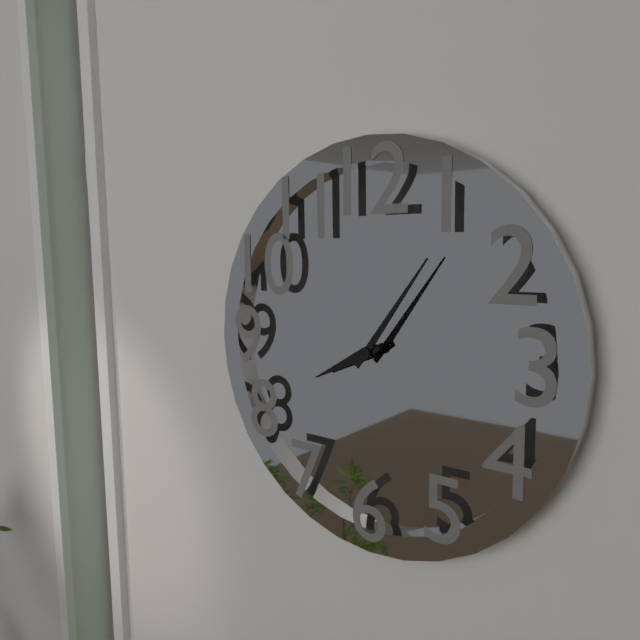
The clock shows h=8 m=6
